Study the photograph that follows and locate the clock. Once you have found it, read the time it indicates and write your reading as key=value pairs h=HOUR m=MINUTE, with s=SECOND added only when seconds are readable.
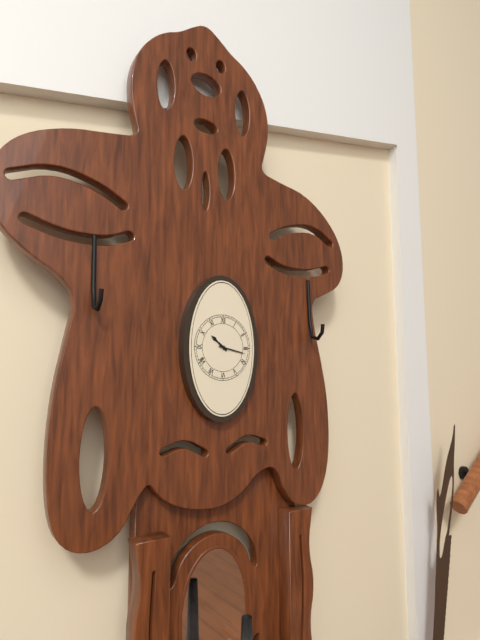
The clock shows h=10 m=17
